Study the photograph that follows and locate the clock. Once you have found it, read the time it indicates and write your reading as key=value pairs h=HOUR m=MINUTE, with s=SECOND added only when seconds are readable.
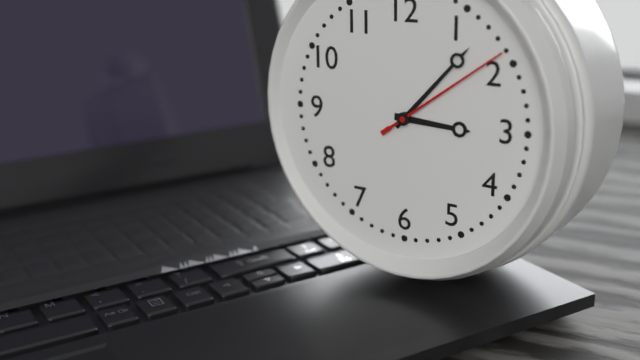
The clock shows h=3 m=7 s=9
